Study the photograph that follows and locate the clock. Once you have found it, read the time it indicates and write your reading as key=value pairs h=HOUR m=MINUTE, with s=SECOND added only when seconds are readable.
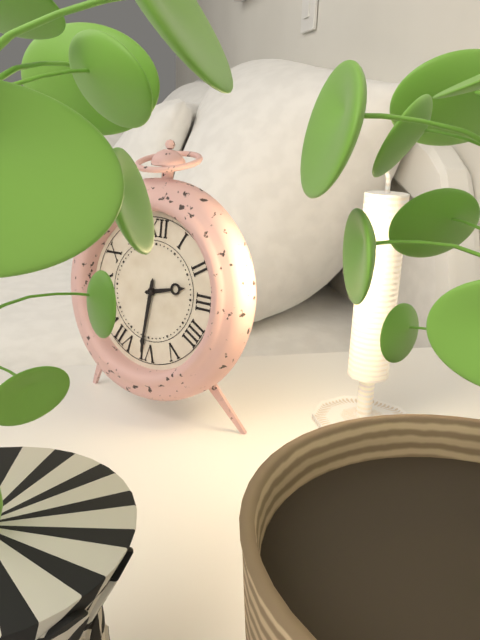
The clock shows h=2 m=31
